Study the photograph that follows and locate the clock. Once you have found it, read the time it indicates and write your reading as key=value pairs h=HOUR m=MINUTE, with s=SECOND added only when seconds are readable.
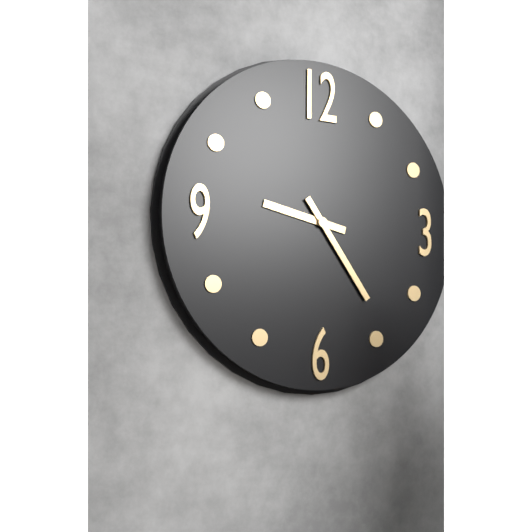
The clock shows h=9 m=24
